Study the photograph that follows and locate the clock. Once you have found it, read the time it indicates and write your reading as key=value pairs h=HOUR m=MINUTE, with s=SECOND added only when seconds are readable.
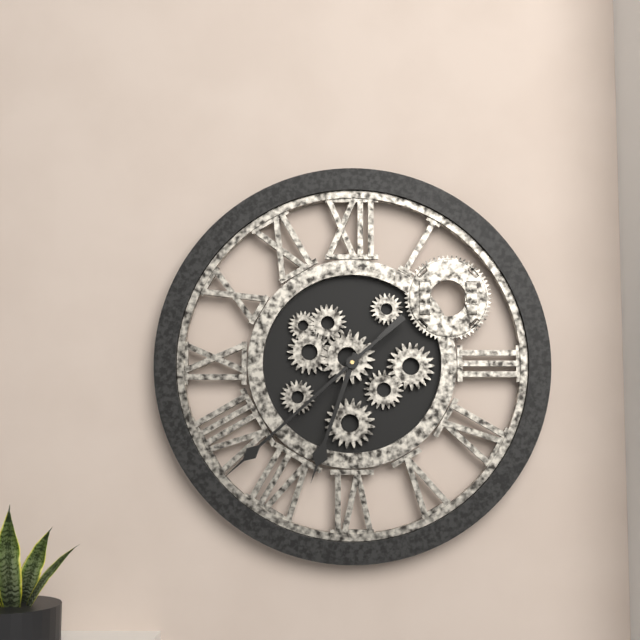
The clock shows h=6 m=38
